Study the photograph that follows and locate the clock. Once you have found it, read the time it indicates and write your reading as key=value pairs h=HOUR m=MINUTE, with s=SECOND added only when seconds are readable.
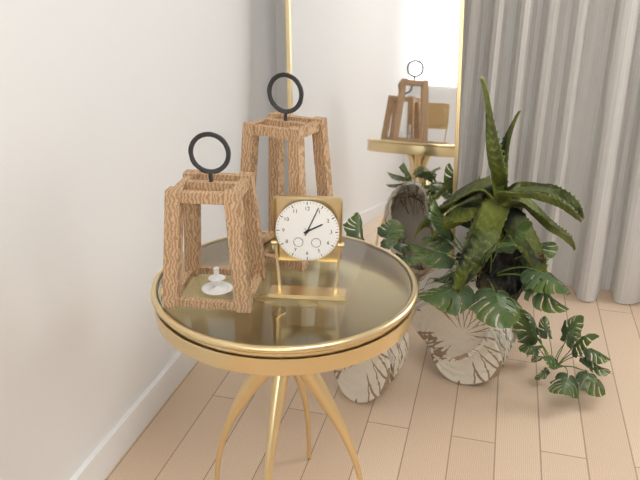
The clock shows h=2 m=4
